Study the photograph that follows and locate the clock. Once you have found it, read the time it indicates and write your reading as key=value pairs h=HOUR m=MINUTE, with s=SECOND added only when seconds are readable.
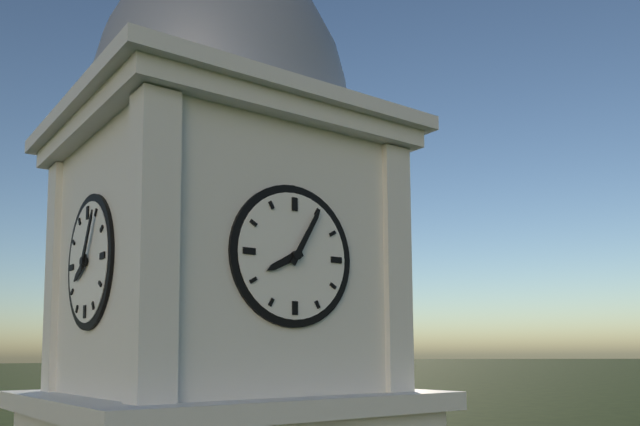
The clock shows h=8 m=5
